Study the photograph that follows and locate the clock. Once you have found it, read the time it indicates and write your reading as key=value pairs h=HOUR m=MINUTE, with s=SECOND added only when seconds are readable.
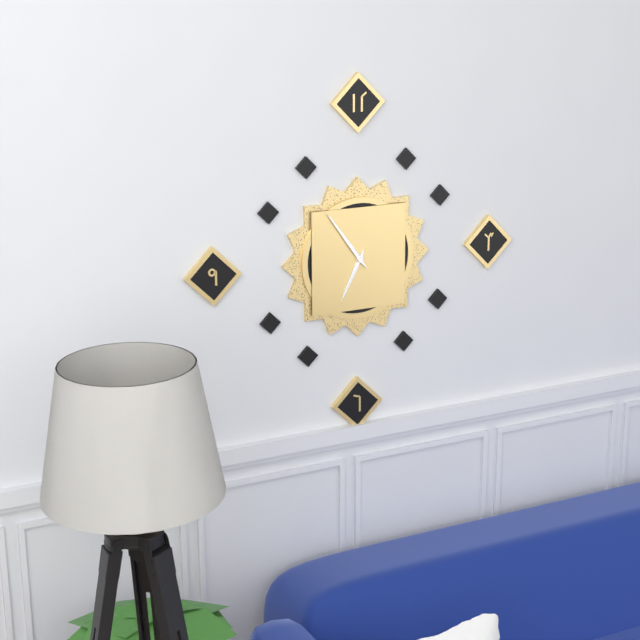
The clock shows h=6 m=54
